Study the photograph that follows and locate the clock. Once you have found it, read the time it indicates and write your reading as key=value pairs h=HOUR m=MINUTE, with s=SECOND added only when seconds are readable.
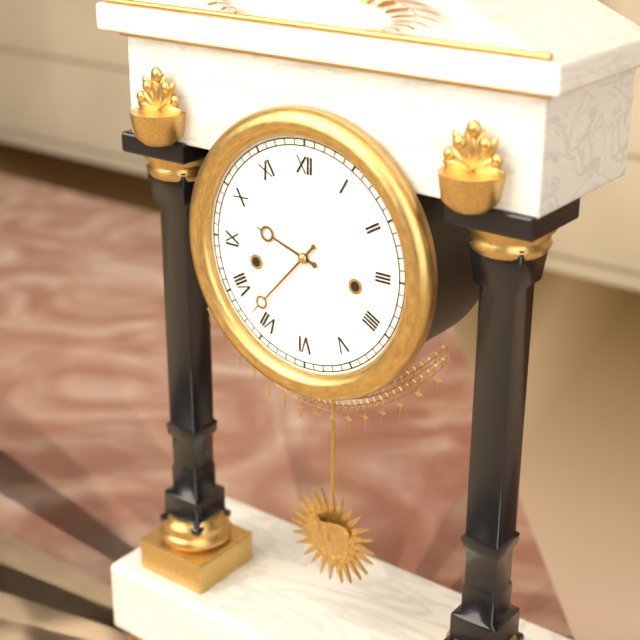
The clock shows h=9 m=37
